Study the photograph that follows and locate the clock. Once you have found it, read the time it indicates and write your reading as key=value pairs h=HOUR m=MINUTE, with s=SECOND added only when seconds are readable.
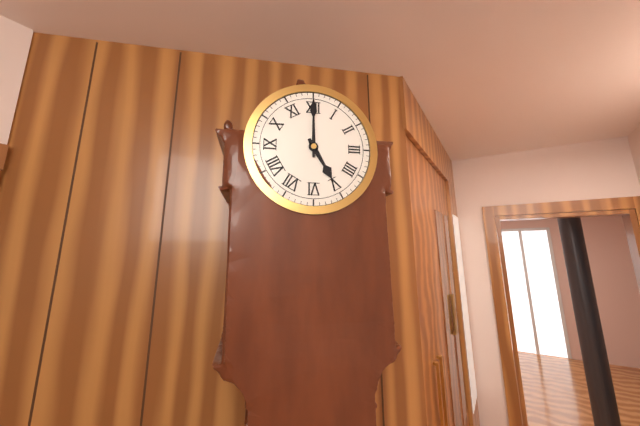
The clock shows h=5 m=0
